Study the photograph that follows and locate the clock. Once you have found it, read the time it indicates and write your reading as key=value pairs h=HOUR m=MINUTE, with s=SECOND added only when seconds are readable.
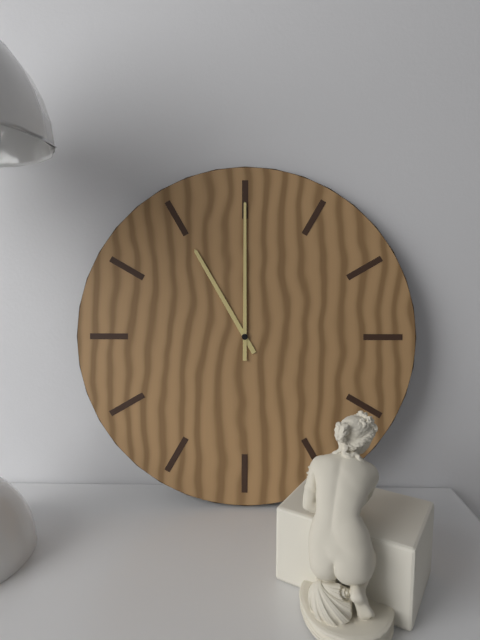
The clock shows h=11 m=0
